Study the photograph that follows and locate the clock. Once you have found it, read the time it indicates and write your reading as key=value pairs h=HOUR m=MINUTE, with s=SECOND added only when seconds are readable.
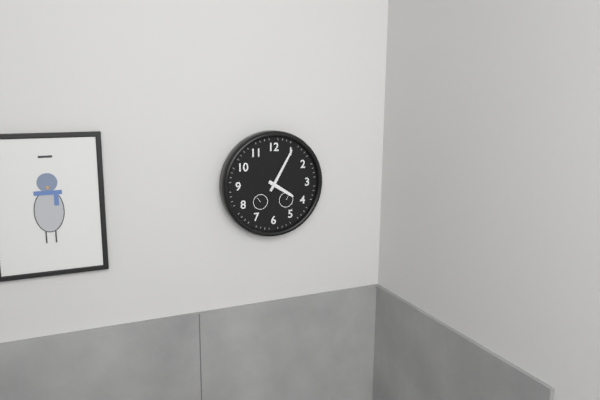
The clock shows h=4 m=5
